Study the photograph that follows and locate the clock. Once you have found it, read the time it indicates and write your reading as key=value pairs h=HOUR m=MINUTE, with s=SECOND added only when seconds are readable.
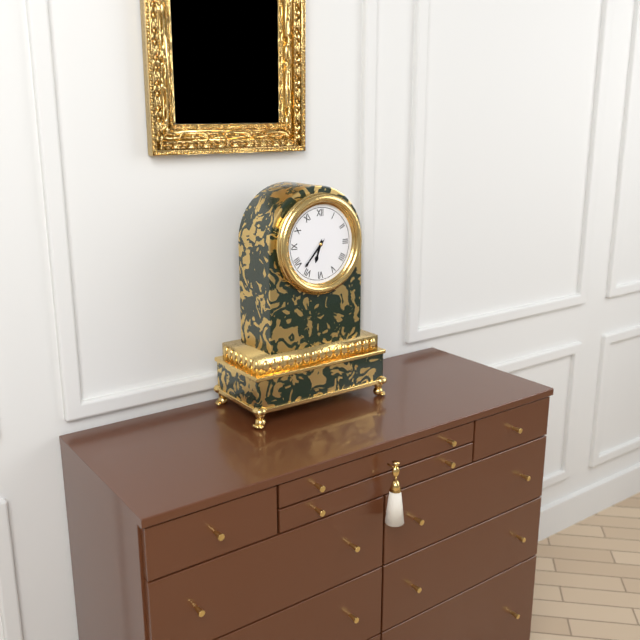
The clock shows h=6 m=37
